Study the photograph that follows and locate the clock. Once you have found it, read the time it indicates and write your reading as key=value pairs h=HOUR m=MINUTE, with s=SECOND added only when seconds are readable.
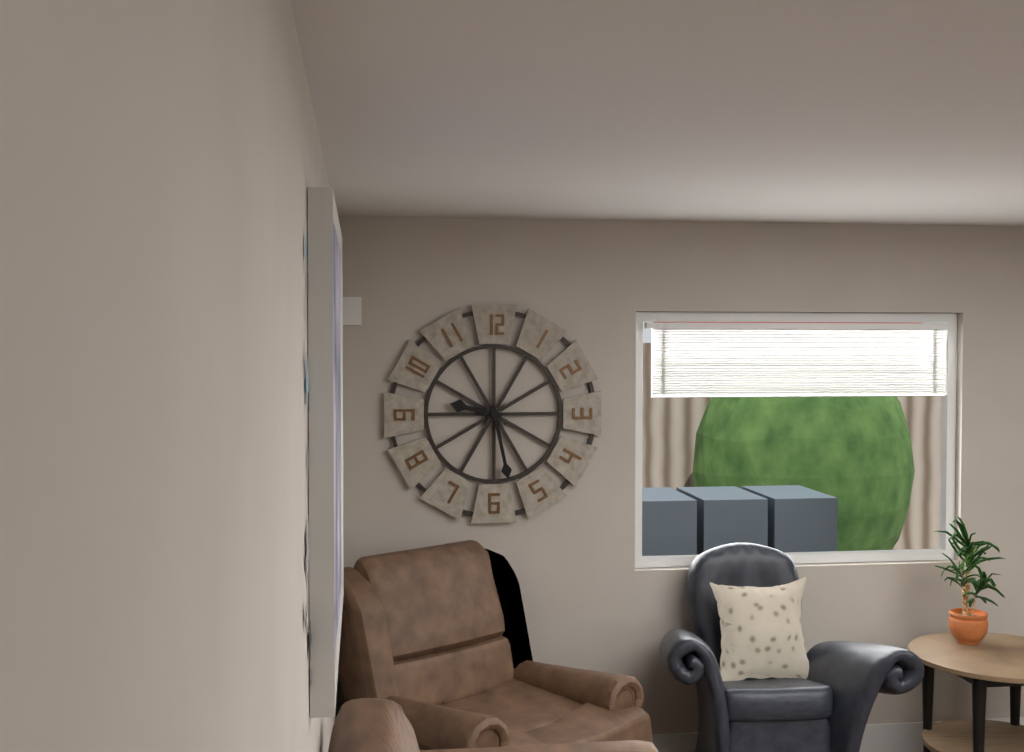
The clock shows h=9 m=28
